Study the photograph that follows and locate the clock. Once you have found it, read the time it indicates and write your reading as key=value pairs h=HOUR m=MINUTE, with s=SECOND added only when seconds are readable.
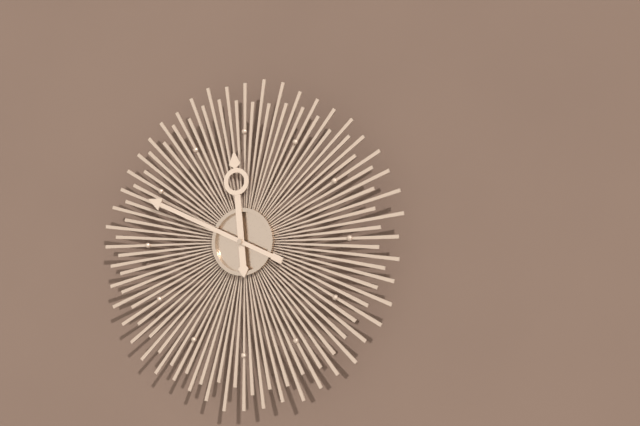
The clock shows h=11 m=49
